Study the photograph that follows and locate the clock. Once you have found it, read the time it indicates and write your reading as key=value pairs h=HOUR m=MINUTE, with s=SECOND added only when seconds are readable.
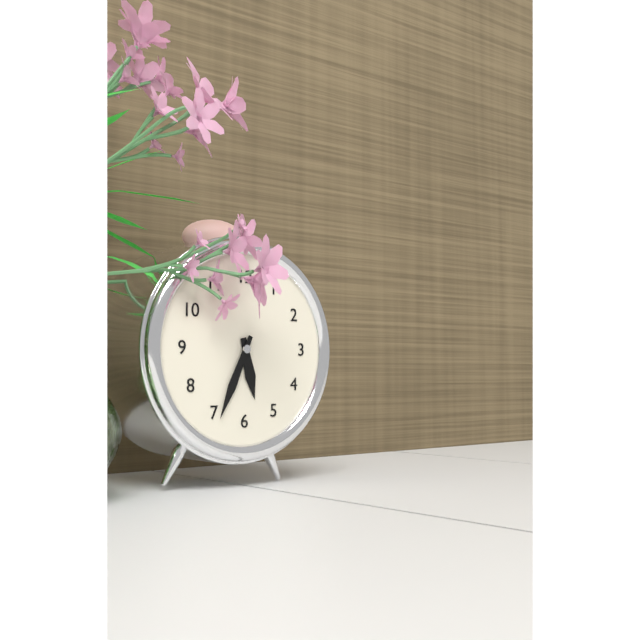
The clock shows h=5 m=34
